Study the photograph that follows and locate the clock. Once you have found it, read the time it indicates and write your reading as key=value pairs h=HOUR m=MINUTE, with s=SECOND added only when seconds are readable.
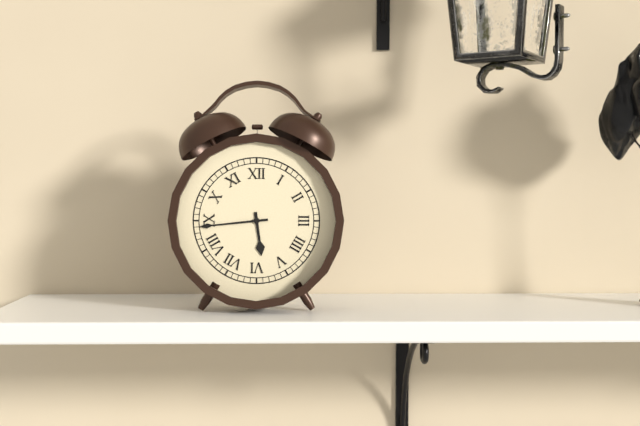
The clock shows h=5 m=44
